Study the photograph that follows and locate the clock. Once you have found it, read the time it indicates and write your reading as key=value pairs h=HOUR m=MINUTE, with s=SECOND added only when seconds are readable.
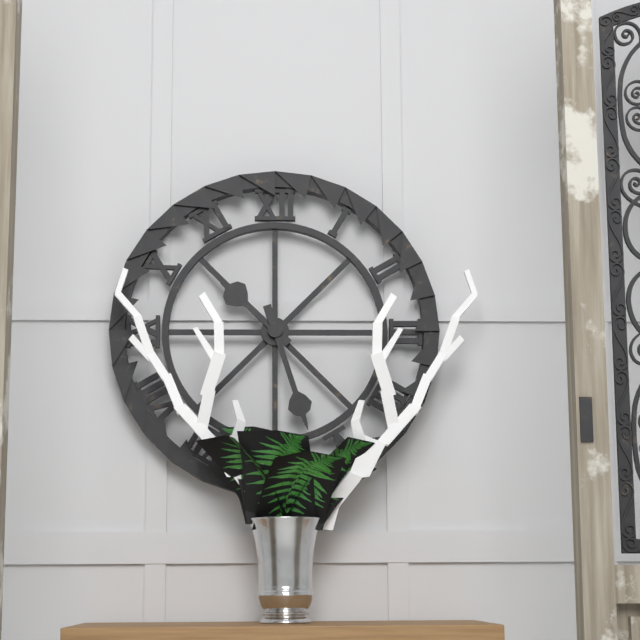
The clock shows h=10 m=27
